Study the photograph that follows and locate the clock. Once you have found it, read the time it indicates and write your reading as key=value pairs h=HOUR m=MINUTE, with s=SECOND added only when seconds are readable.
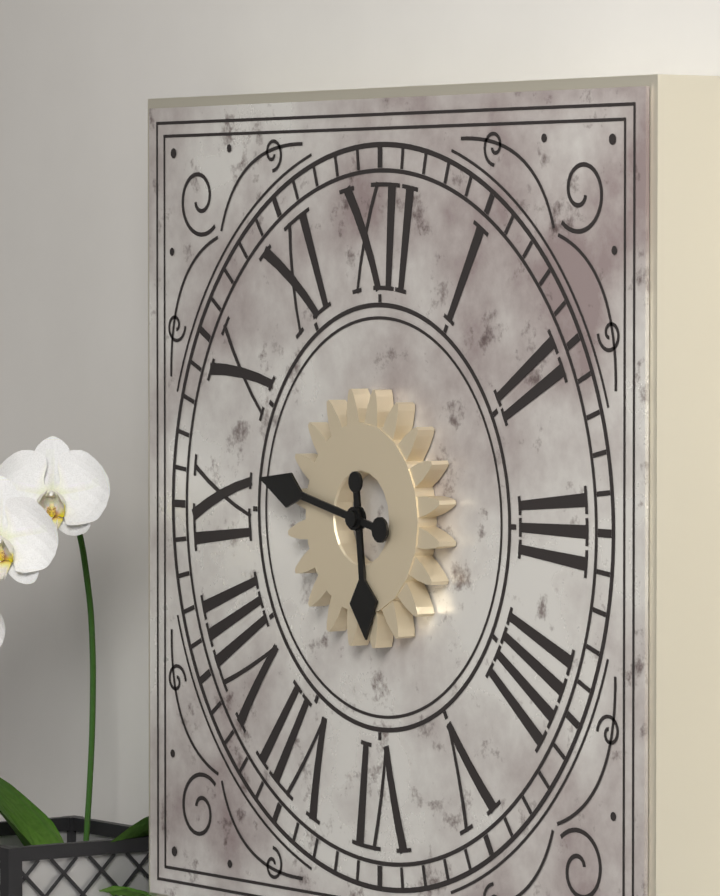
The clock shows h=5 m=47
